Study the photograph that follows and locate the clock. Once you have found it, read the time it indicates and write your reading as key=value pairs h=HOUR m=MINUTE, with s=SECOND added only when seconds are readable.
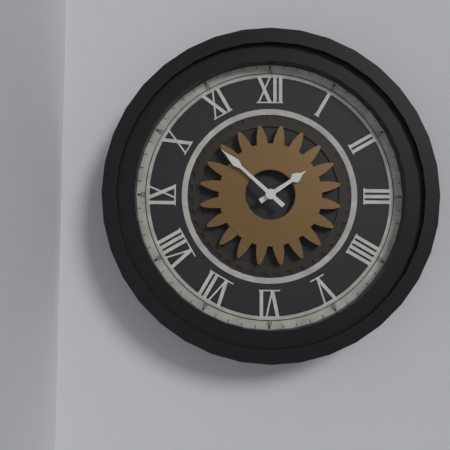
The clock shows h=1 m=52
